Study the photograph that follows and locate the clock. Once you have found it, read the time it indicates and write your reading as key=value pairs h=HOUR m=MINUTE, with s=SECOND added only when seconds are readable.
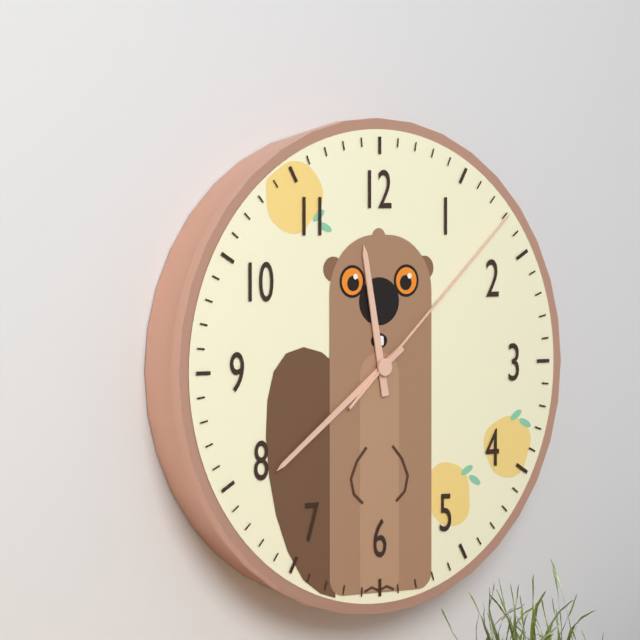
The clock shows h=11 m=39 s=8
